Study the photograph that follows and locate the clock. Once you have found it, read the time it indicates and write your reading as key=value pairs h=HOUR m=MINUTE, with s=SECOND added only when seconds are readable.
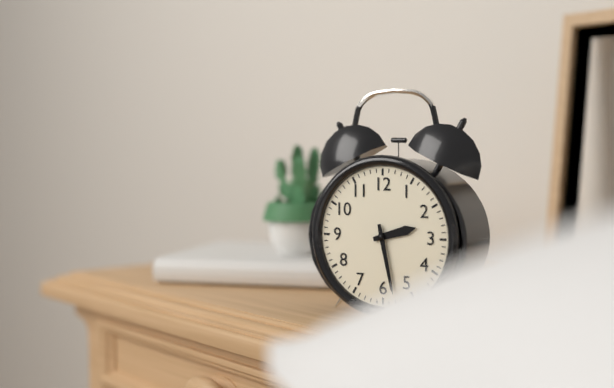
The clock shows h=2 m=28
